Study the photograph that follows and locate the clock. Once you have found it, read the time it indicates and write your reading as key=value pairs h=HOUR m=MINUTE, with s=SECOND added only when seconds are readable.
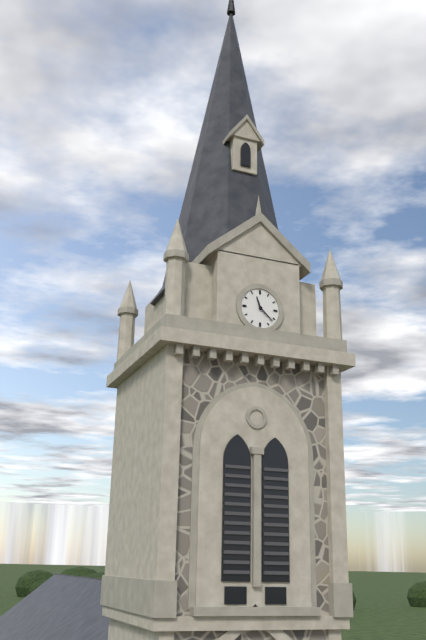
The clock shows h=11 m=22
